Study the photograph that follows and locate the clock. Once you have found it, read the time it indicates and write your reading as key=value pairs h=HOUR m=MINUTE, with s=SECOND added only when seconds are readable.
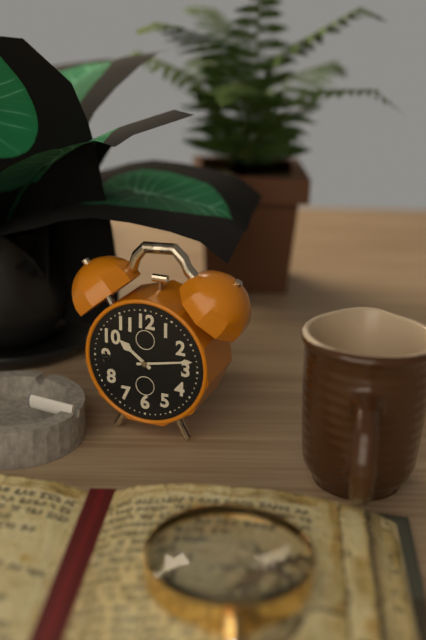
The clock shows h=10 m=13
